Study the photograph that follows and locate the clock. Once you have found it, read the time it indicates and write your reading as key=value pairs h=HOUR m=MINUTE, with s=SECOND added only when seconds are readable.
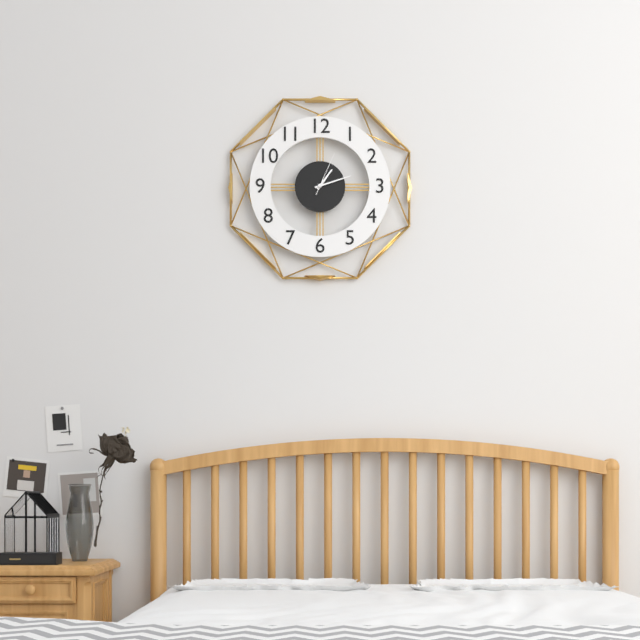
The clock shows h=1 m=12 s=4
